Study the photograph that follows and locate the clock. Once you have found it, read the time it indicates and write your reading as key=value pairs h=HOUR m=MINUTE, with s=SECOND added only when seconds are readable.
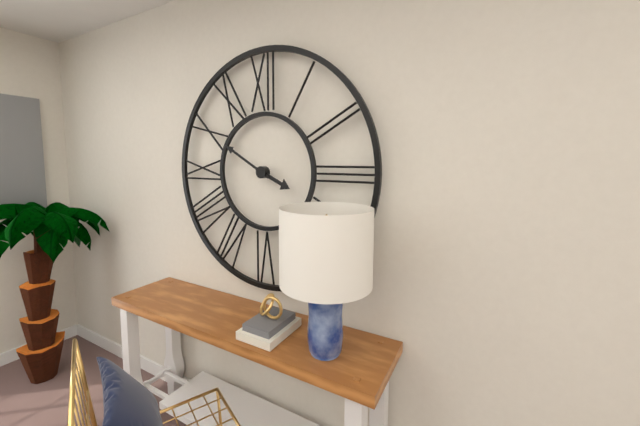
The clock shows h=3 m=50
